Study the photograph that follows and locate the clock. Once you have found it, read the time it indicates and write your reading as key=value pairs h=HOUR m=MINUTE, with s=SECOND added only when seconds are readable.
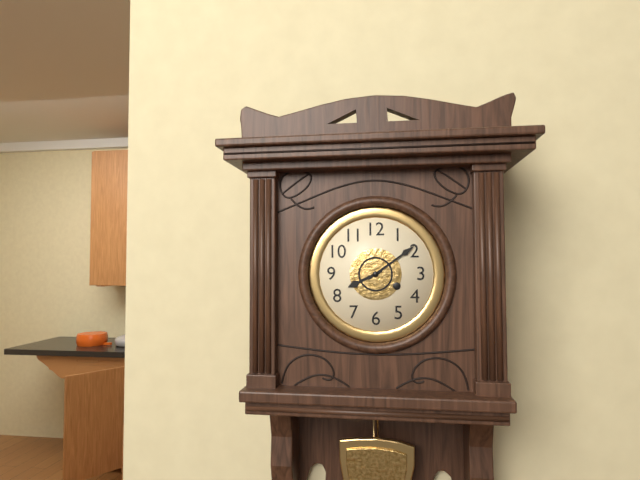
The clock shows h=8 m=9
